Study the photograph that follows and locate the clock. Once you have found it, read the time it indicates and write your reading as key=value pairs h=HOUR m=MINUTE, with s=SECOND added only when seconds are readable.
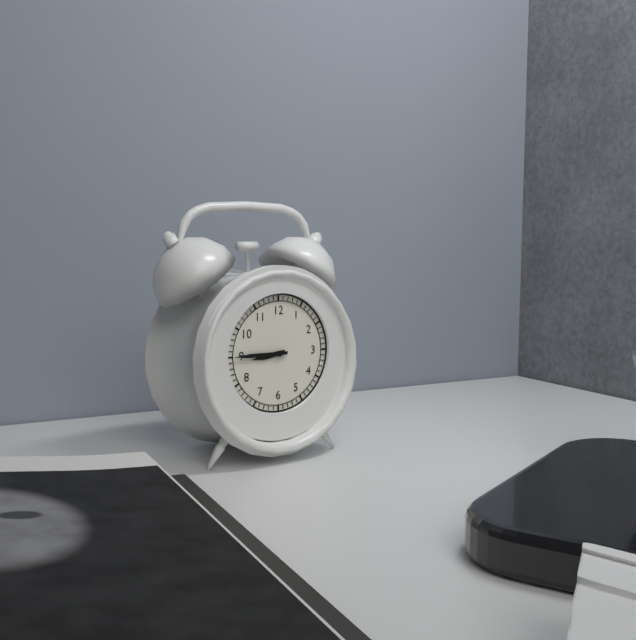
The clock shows h=8 m=45
